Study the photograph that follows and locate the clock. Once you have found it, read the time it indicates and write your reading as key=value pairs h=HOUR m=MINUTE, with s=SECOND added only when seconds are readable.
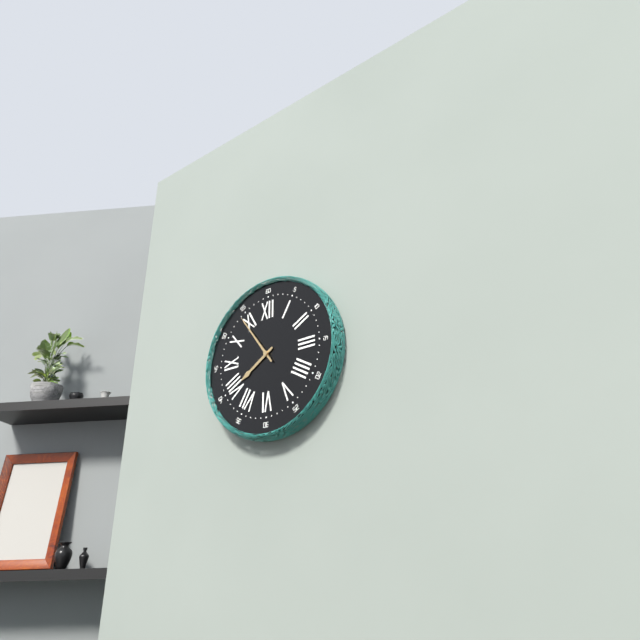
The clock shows h=7 m=54
